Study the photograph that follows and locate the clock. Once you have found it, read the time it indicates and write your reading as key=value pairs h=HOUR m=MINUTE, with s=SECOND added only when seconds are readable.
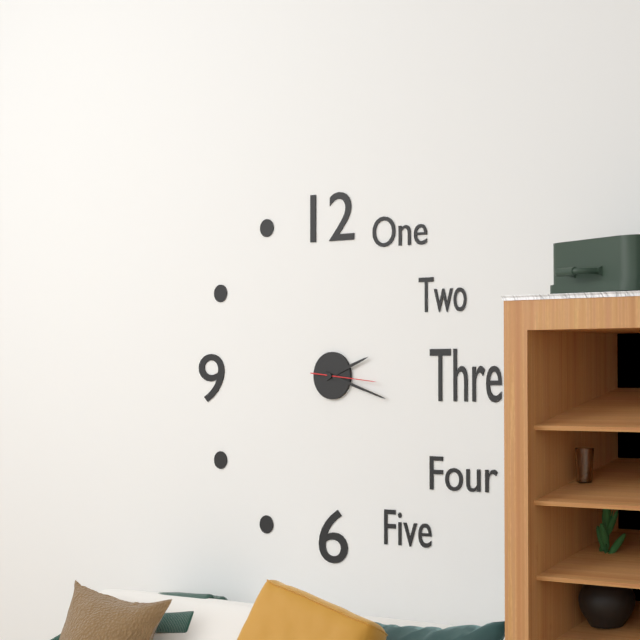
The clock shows h=2 m=18 s=16
